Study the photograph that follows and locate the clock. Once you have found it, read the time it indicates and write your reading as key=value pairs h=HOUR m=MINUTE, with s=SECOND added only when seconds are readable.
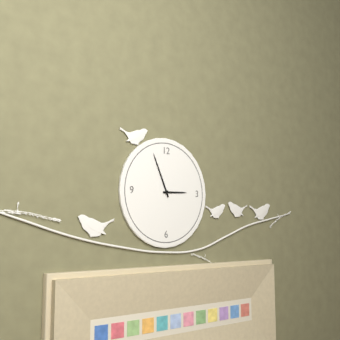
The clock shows h=2 m=56
